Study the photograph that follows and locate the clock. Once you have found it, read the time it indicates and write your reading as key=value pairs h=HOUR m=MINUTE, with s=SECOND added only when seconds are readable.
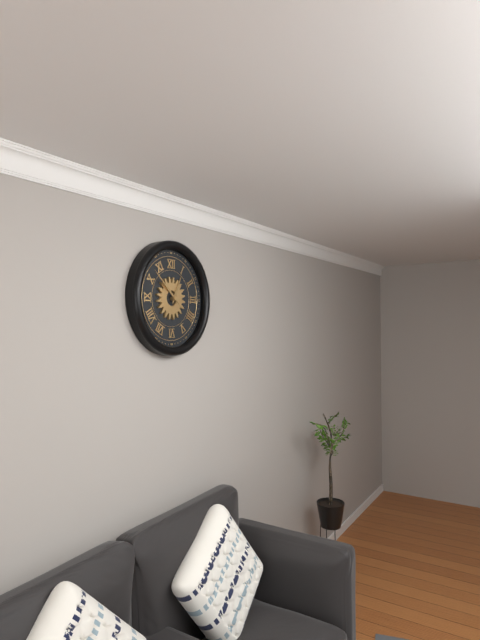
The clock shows h=12 m=52
